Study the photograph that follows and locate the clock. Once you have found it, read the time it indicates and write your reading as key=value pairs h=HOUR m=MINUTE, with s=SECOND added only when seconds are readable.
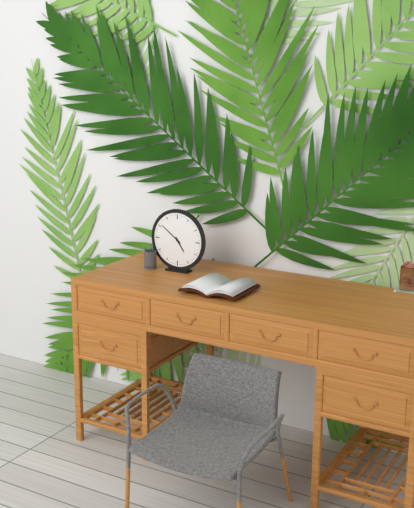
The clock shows h=4 m=51
